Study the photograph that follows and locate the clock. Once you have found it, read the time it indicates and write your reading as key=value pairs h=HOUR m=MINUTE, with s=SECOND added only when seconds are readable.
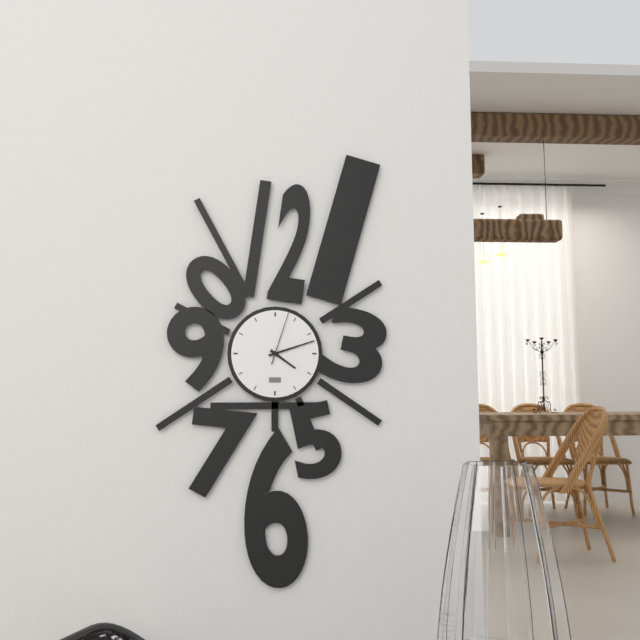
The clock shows h=4 m=12 s=3
